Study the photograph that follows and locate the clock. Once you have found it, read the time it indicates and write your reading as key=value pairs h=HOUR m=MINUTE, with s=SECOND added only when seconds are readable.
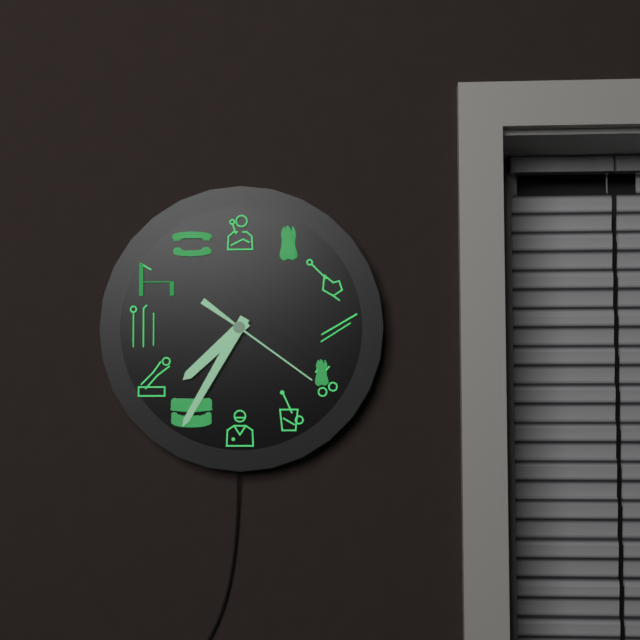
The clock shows h=7 m=35 s=21
